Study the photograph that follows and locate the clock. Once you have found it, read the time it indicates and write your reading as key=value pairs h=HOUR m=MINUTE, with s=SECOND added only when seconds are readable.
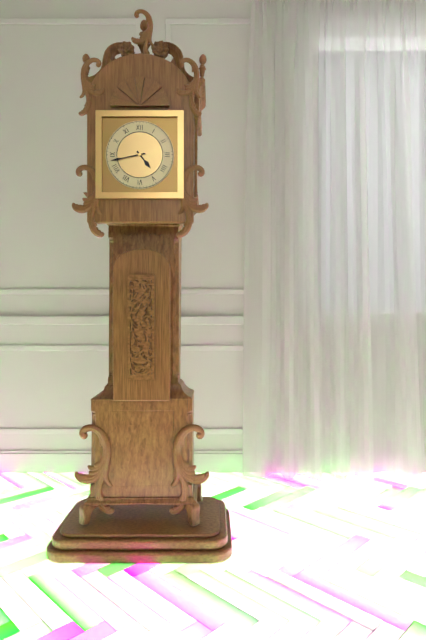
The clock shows h=4 m=43
